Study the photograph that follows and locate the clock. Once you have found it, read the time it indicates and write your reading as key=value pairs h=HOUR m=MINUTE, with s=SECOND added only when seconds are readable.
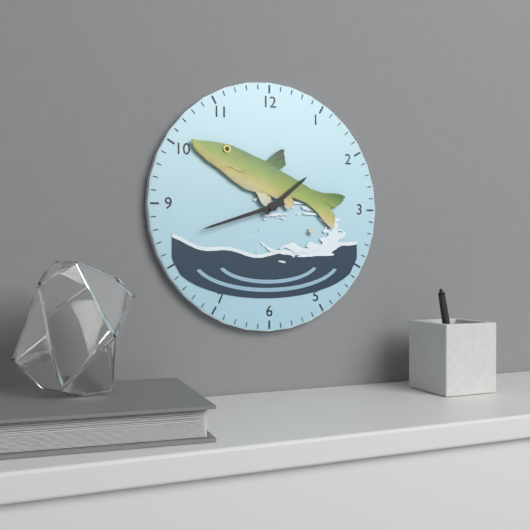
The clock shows h=1 m=42
